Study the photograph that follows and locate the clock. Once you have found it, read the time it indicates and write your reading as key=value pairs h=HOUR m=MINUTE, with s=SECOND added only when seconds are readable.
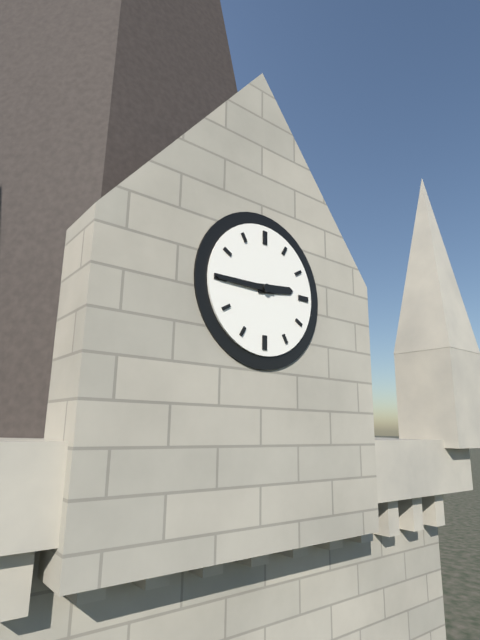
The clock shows h=2 m=45
